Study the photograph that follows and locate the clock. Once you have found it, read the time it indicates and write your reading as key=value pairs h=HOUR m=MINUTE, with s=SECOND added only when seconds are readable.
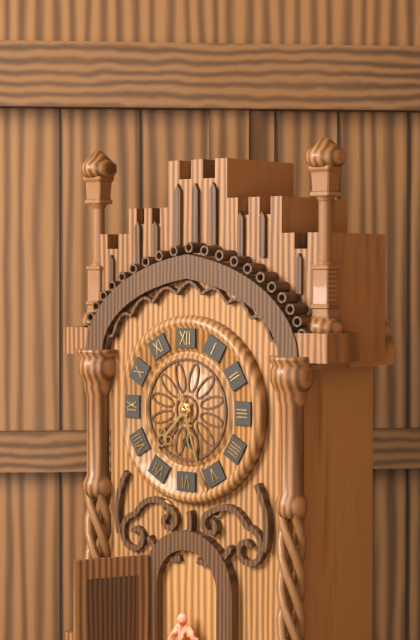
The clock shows h=7 m=27
